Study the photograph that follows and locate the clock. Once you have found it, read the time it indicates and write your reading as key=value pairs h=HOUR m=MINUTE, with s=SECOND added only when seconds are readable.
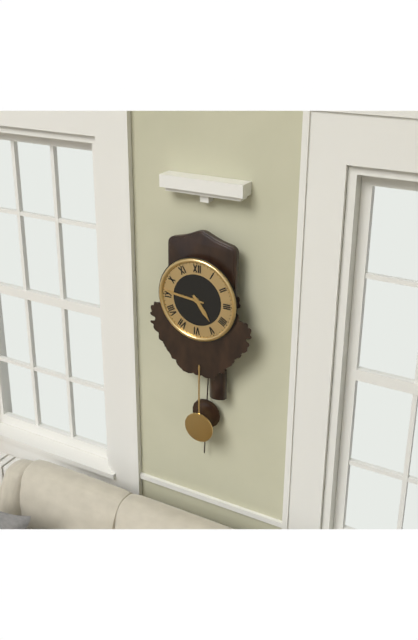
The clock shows h=4 m=46
